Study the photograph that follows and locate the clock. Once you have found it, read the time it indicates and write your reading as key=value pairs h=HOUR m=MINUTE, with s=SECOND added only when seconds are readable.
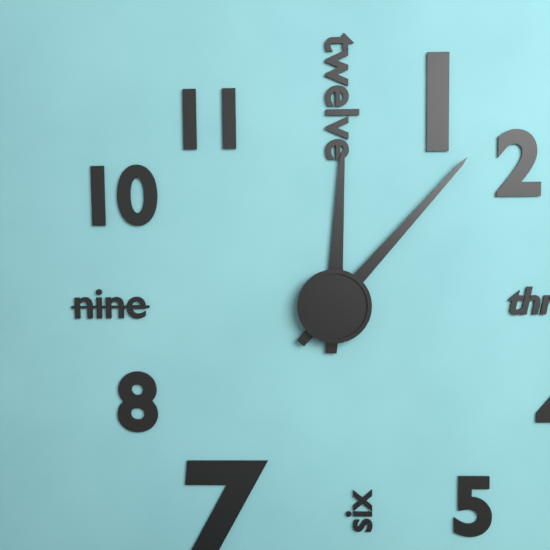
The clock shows h=12 m=7
